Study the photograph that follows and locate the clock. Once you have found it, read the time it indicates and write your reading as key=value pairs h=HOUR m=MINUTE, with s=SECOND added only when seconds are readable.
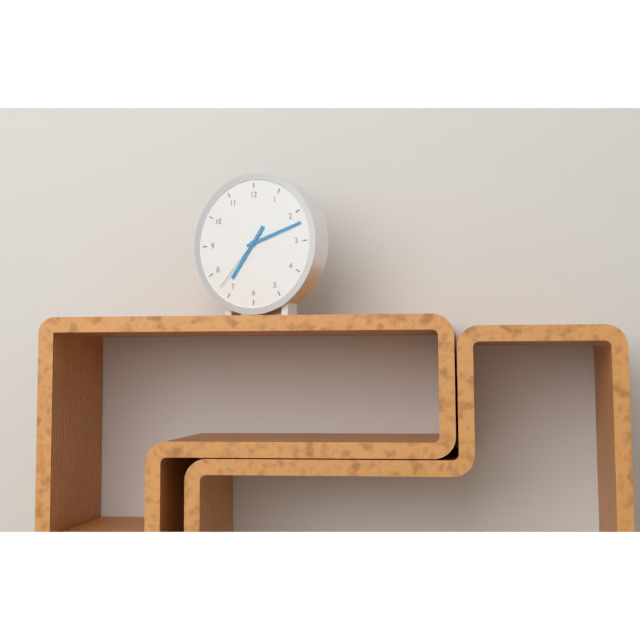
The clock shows h=7 m=12 s=37
